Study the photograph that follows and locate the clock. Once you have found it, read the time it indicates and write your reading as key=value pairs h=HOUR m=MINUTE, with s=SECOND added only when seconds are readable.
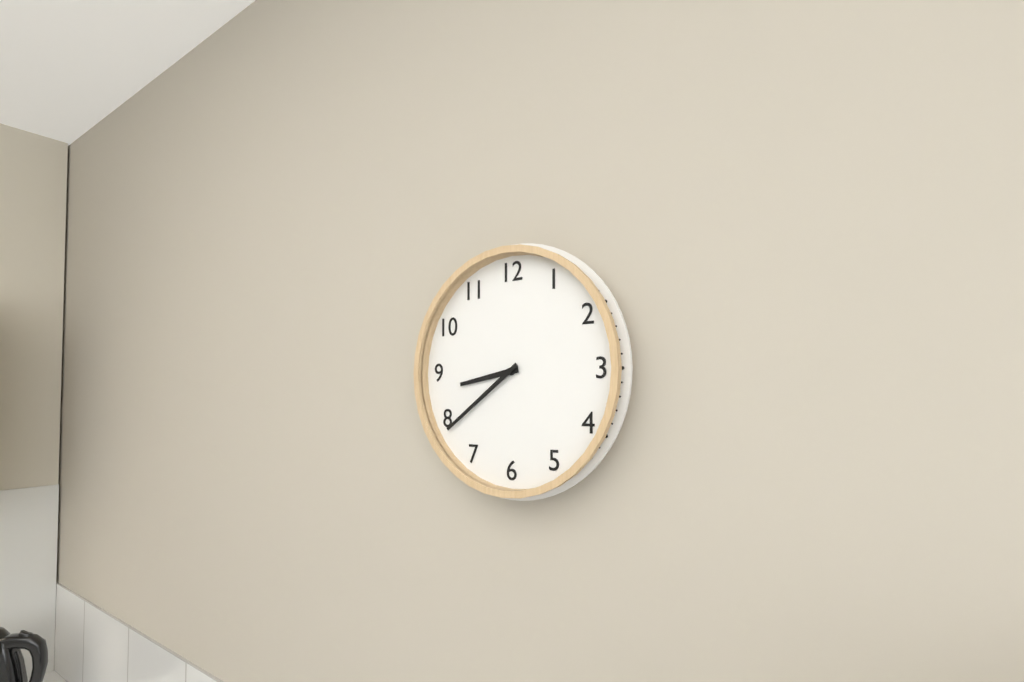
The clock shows h=8 m=39
